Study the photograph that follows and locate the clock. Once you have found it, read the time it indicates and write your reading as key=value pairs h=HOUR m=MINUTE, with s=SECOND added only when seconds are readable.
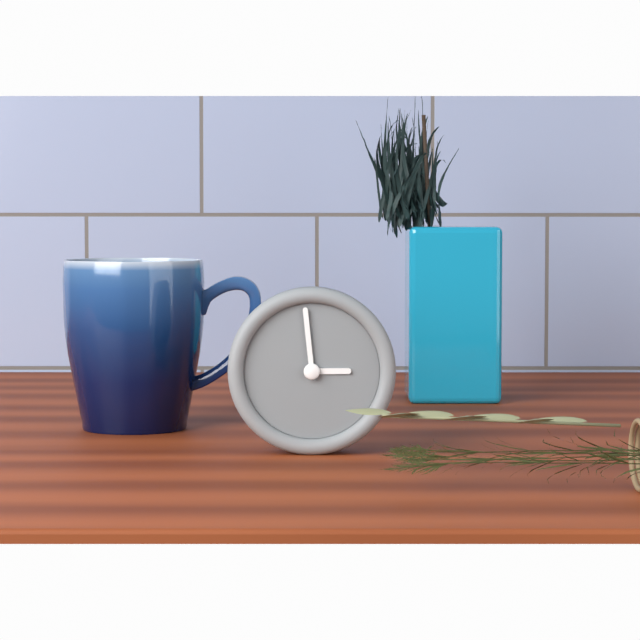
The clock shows h=2 m=59
